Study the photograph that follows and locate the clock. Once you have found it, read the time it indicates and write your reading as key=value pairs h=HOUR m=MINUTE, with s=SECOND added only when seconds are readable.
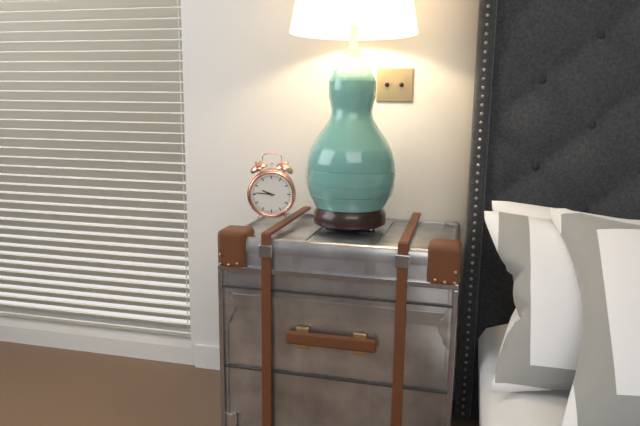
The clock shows h=9 m=46
